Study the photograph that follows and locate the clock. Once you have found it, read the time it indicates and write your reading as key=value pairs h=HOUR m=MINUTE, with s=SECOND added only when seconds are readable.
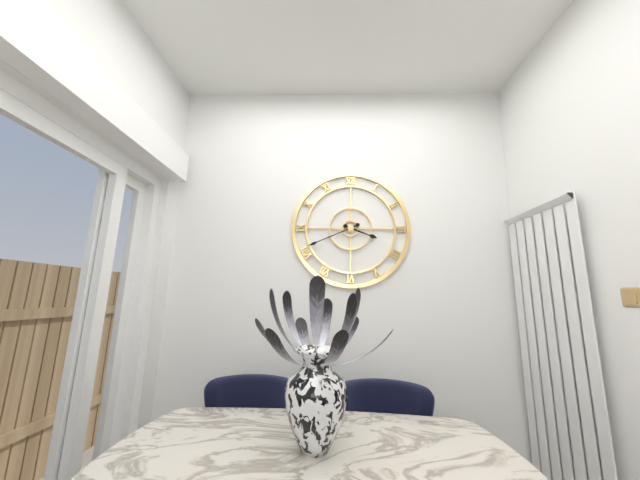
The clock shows h=3 m=41
